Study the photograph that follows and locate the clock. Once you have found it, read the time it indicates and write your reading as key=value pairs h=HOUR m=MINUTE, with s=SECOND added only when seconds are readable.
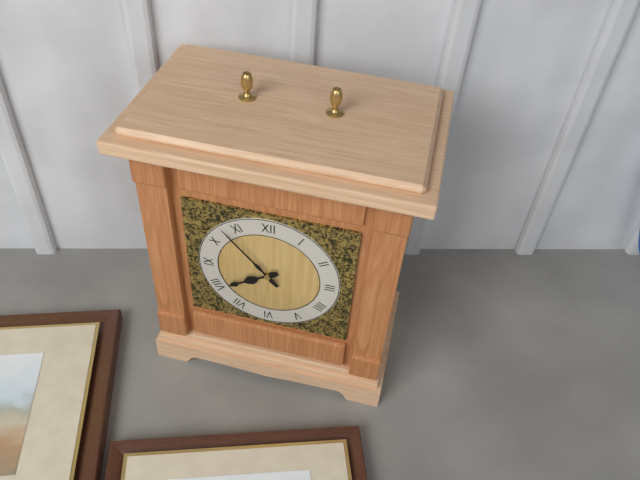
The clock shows h=7 m=53
